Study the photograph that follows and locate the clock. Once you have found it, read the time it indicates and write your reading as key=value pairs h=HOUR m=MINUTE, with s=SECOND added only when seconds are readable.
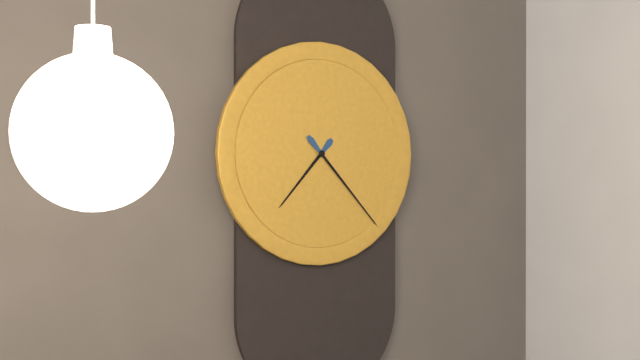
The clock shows h=7 m=23
